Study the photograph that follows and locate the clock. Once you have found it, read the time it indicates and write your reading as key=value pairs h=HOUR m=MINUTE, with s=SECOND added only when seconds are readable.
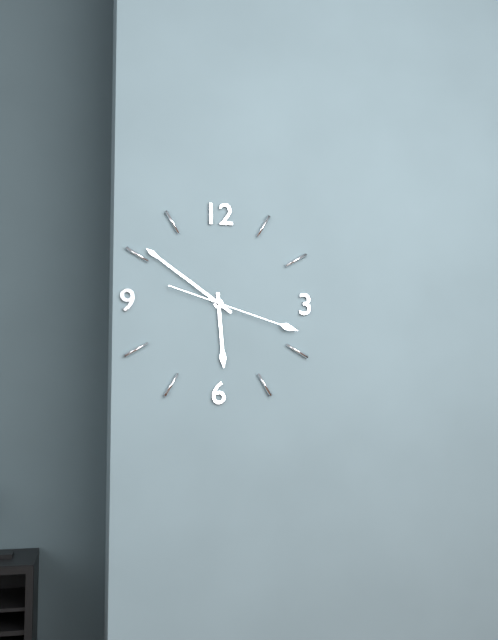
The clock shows h=5 m=51 s=18
